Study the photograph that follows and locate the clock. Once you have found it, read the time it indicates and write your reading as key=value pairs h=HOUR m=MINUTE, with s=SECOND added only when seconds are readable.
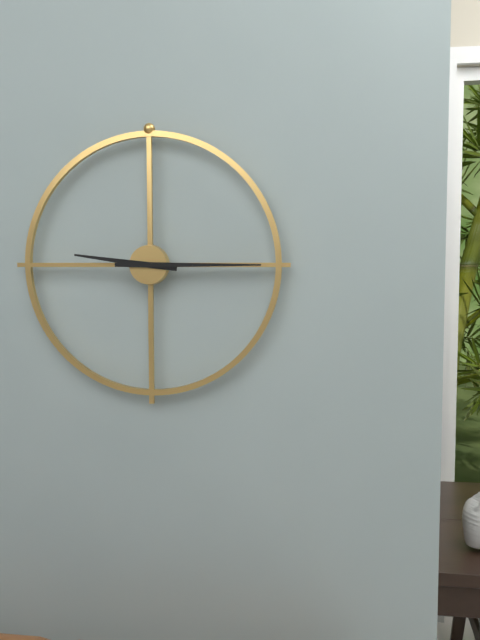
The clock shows h=9 m=15
